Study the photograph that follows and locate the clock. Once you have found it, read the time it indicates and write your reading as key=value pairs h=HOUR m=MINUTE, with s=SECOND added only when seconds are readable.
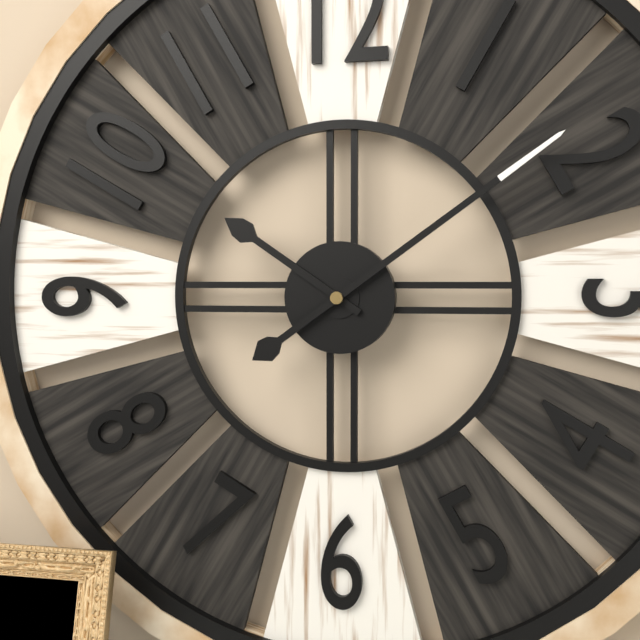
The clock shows h=10 m=9
